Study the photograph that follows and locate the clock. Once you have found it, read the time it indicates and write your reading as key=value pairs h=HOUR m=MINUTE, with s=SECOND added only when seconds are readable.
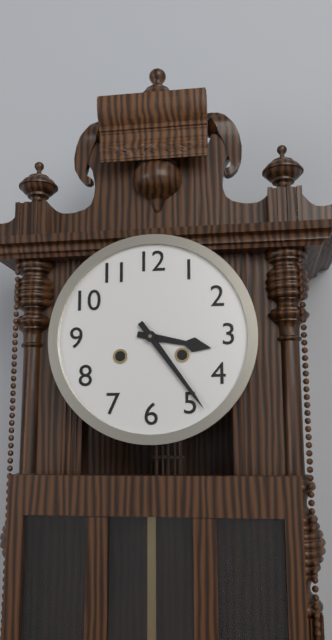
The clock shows h=3 m=24
